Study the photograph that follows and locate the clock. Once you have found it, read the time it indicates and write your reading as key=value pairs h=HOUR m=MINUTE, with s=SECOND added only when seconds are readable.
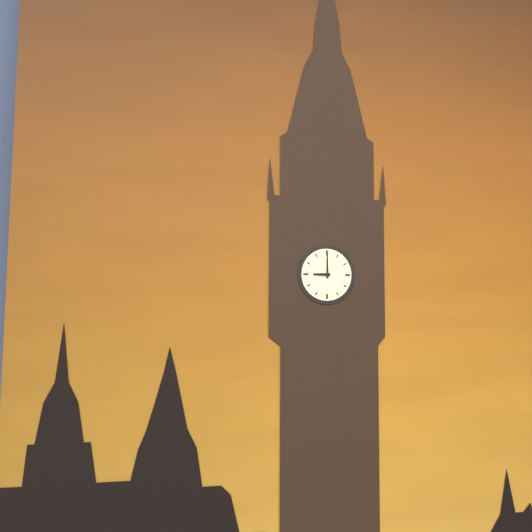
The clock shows h=9 m=0
